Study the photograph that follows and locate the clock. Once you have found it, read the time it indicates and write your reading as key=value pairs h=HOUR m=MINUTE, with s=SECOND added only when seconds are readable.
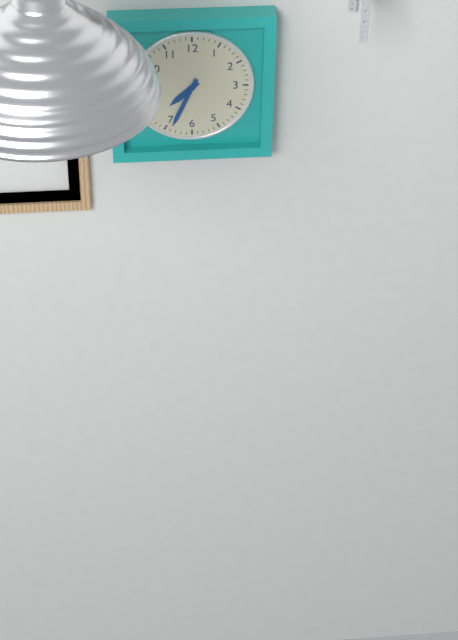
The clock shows h=7 m=34
